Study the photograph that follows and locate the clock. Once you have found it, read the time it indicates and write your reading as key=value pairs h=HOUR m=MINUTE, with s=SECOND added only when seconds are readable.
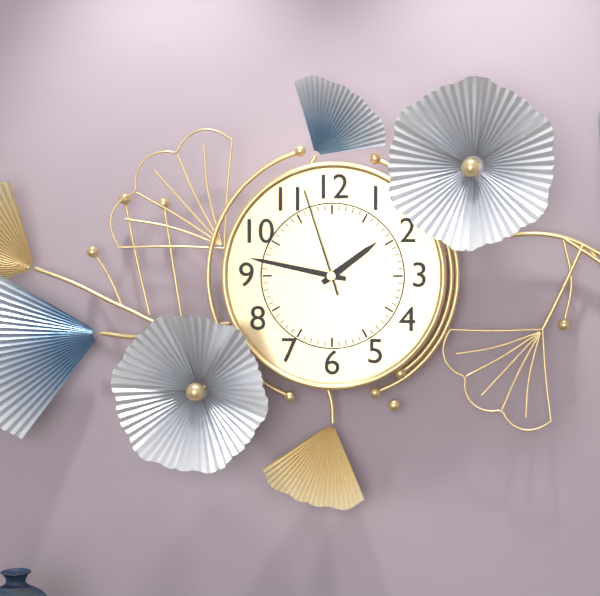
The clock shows h=1 m=47 s=57
